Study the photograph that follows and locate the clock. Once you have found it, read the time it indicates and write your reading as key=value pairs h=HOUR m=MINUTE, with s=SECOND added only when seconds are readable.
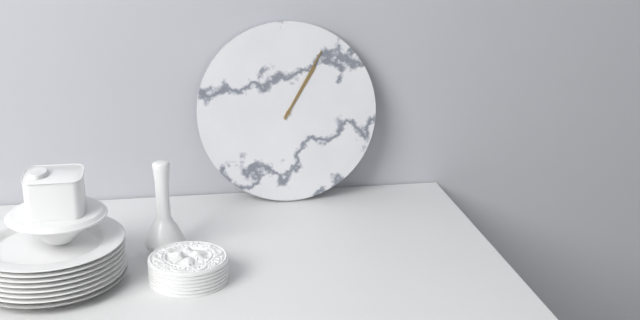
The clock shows h=1 m=5
